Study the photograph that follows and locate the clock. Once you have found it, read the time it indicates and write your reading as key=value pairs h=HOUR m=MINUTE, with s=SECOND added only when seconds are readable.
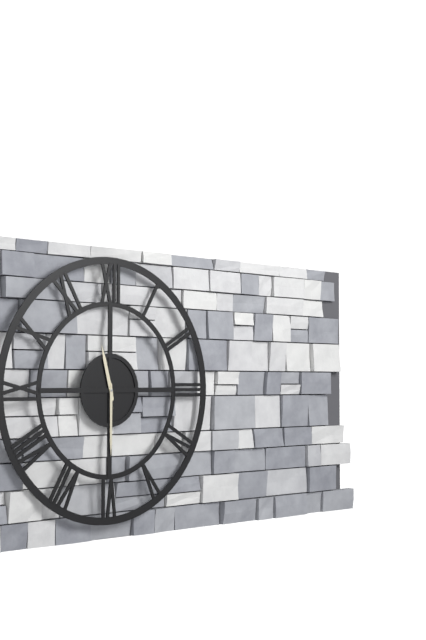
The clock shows h=11 m=30
